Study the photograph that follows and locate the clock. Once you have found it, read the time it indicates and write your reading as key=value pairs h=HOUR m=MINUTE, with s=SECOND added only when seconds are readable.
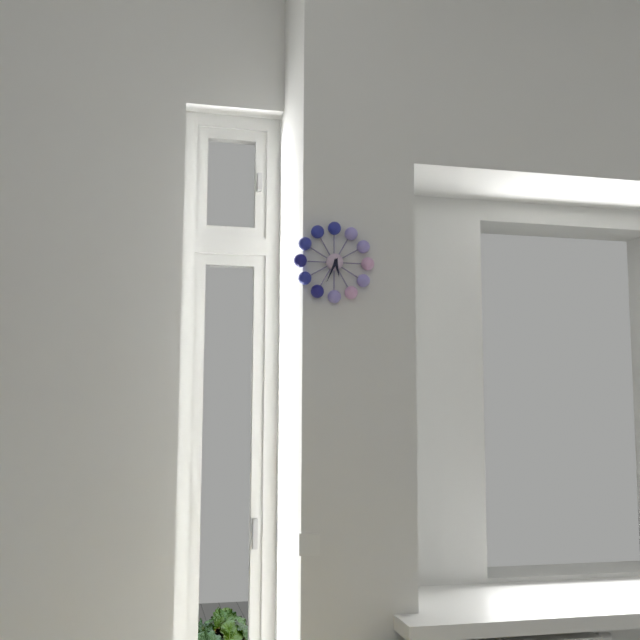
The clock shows h=5 m=34
